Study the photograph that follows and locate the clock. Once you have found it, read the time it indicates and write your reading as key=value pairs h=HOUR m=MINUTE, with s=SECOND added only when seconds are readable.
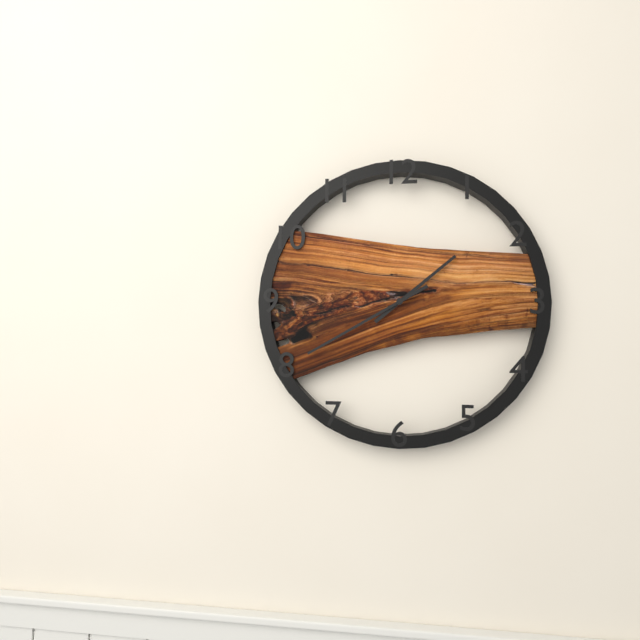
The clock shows h=1 m=40
